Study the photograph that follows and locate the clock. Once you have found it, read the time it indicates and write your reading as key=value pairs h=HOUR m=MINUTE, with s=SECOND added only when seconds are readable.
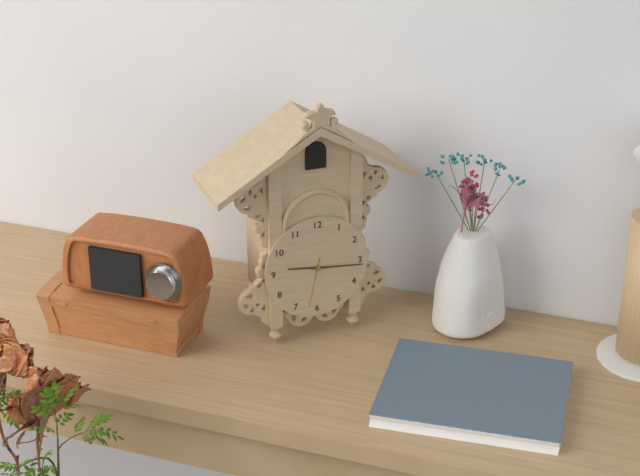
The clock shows h=9 m=16
